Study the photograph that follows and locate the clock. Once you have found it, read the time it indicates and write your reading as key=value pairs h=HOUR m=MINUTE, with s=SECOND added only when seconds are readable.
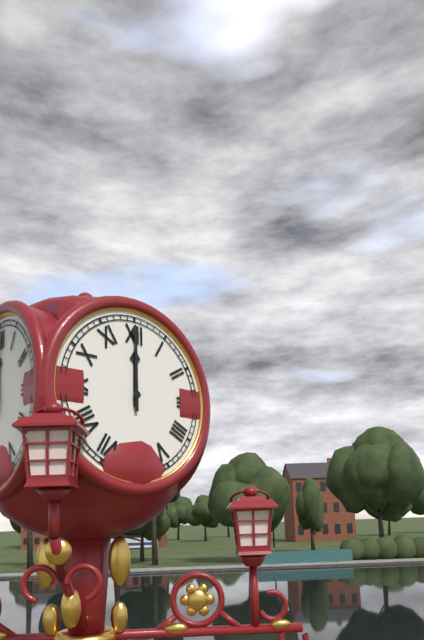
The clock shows h=12 m=0
